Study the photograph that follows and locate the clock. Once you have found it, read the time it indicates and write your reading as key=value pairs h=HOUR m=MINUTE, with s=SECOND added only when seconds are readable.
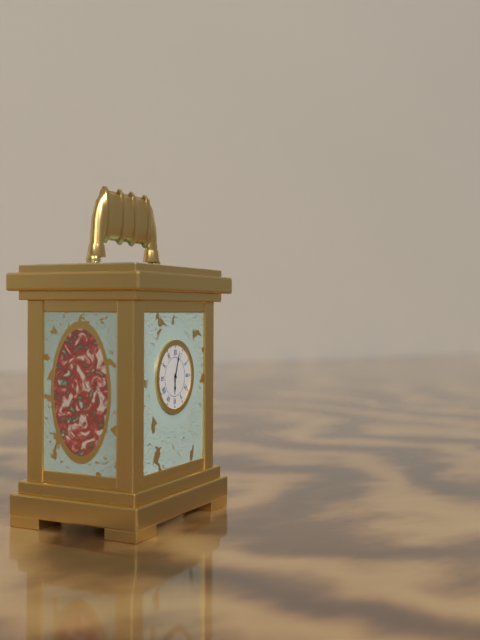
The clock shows h=6 m=3
